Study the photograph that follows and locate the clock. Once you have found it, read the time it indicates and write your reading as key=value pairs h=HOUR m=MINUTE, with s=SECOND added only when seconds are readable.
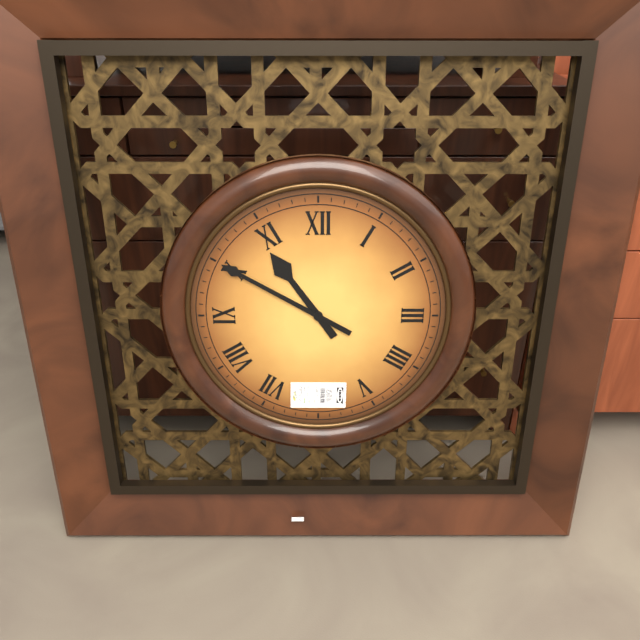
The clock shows h=10 m=50
